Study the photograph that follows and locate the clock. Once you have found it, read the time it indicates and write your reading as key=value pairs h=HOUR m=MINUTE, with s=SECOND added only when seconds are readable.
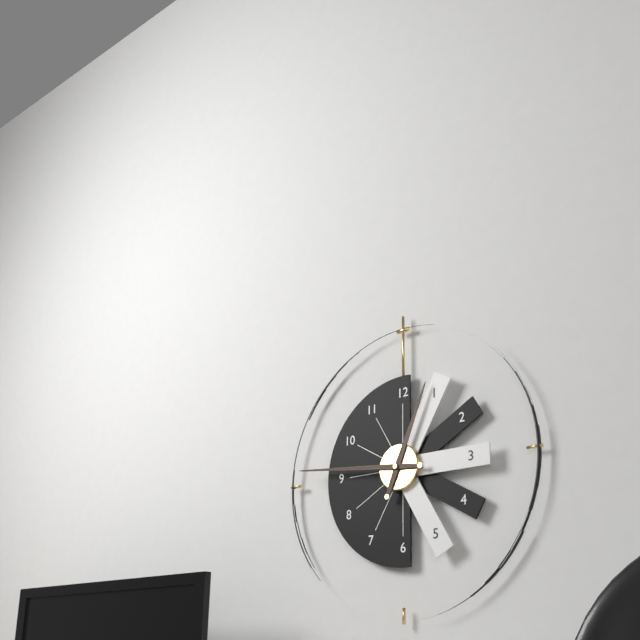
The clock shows h=12 m=46
